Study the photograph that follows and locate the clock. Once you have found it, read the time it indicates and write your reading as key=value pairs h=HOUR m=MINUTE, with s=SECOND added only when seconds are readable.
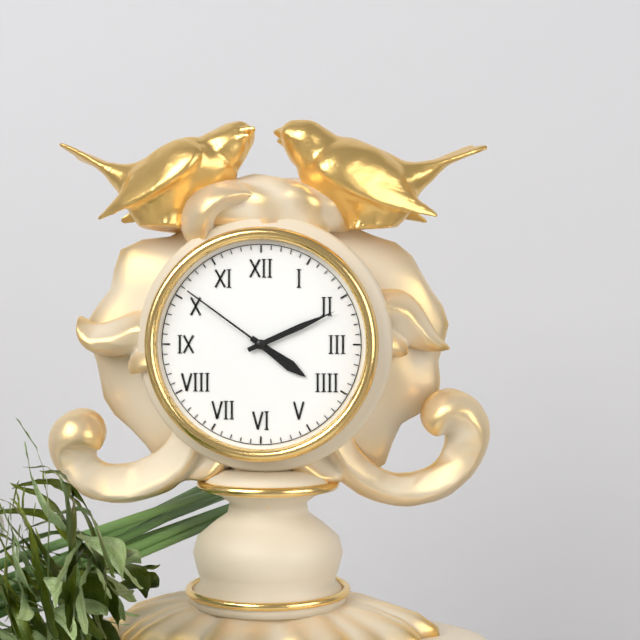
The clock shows h=4 m=11 s=51
